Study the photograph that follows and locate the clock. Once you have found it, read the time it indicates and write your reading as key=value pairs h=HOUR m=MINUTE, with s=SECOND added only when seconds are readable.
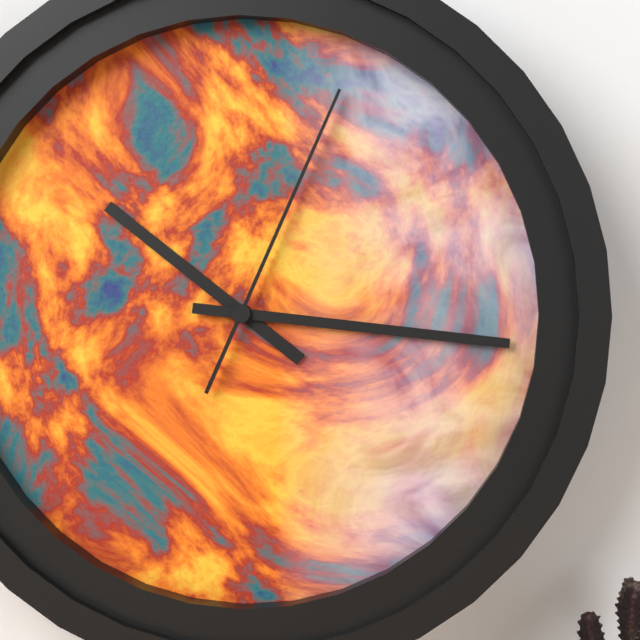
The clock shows h=10 m=16 s=4
